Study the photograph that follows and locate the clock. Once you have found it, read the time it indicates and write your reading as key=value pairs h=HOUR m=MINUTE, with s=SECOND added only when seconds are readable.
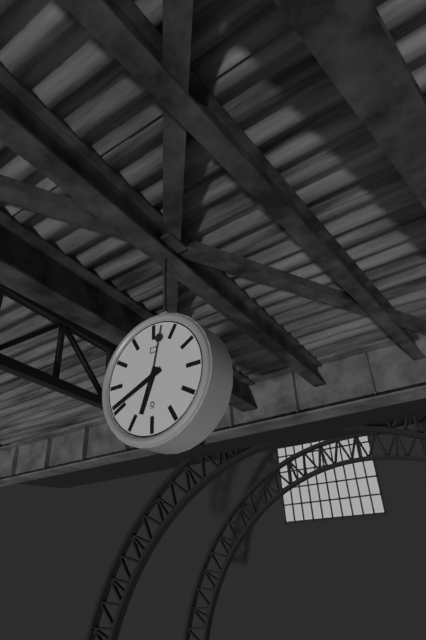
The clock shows h=6 m=41 s=2
